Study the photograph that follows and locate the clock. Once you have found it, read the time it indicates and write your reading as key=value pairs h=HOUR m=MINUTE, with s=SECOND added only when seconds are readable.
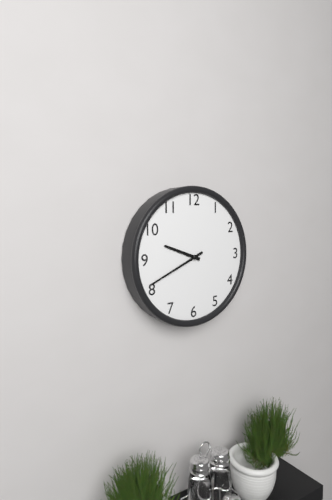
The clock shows h=9 m=41
